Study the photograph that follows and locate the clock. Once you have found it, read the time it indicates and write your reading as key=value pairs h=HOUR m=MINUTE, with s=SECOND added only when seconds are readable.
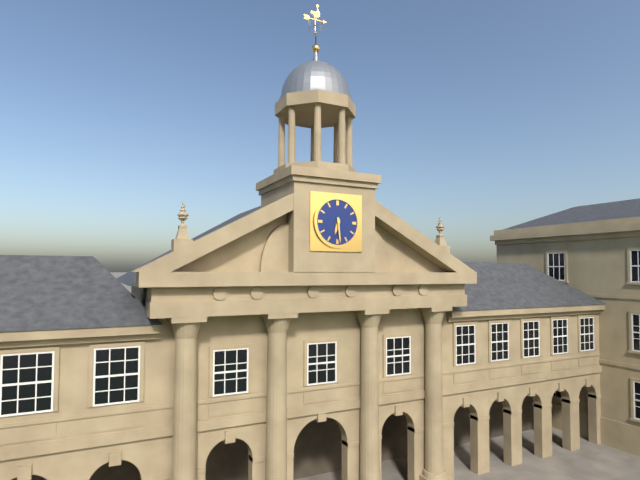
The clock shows h=6 m=29
